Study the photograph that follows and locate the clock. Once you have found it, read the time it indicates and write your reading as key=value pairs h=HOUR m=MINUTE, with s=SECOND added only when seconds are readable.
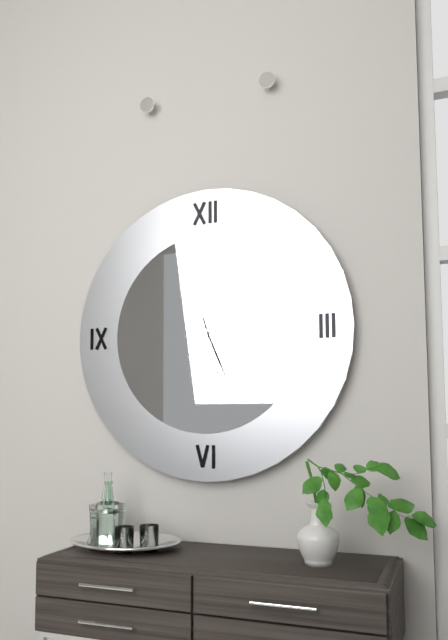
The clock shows h=5 m=26
